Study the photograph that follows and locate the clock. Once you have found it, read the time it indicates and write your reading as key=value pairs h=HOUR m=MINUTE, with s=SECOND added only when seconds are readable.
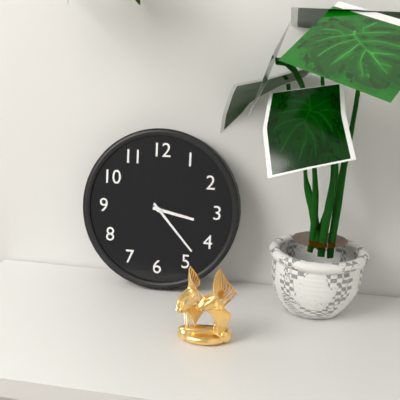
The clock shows h=3 m=23
